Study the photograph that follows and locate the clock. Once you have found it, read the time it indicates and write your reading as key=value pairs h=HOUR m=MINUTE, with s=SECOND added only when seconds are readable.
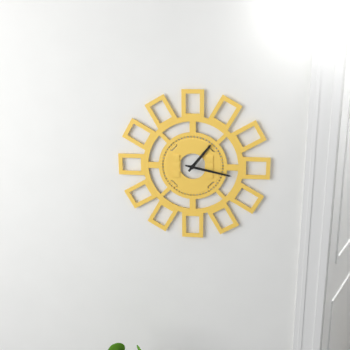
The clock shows h=1 m=17
